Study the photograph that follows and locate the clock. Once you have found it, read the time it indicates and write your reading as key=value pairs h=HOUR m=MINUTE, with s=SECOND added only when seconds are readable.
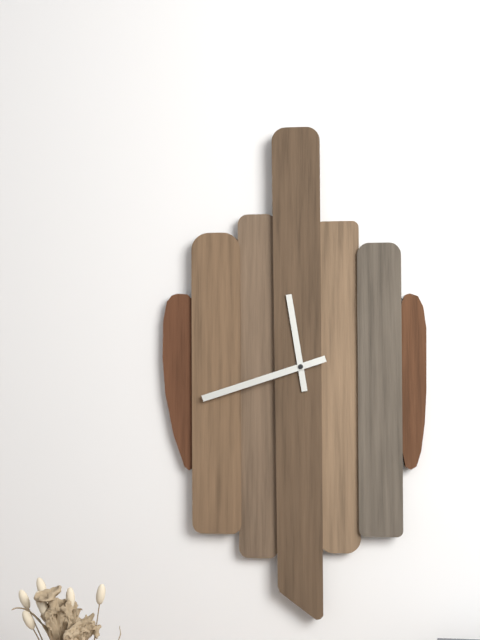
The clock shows h=11 m=42
